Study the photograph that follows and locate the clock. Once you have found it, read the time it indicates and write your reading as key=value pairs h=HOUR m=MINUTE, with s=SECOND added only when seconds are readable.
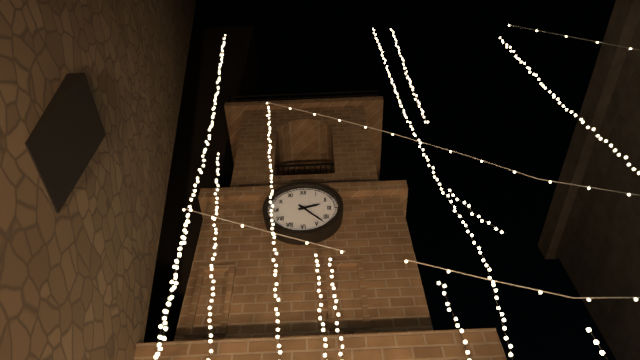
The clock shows h=2 m=23
